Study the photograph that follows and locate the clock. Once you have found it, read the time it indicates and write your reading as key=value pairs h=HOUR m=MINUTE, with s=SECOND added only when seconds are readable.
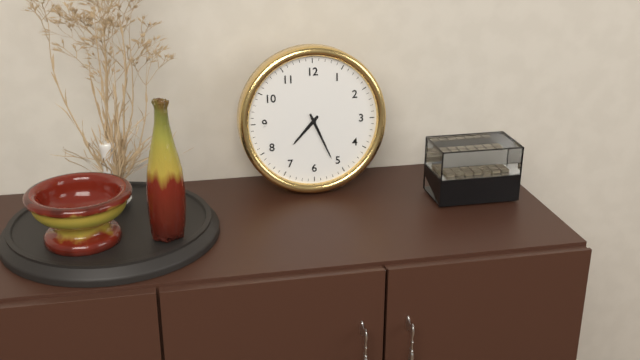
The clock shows h=7 m=26
